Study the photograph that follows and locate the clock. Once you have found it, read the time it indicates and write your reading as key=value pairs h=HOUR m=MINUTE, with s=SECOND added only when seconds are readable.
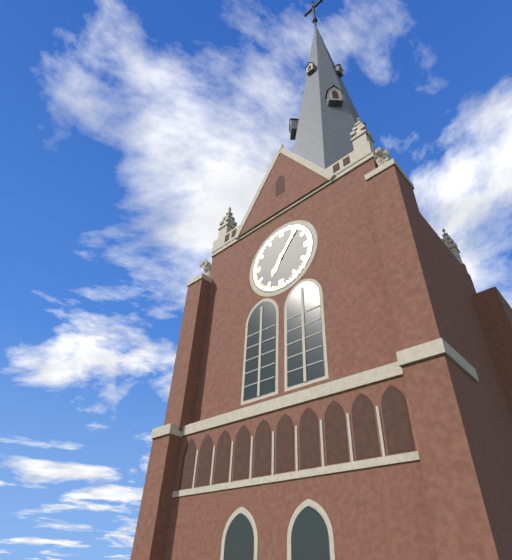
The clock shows h=7 m=6
